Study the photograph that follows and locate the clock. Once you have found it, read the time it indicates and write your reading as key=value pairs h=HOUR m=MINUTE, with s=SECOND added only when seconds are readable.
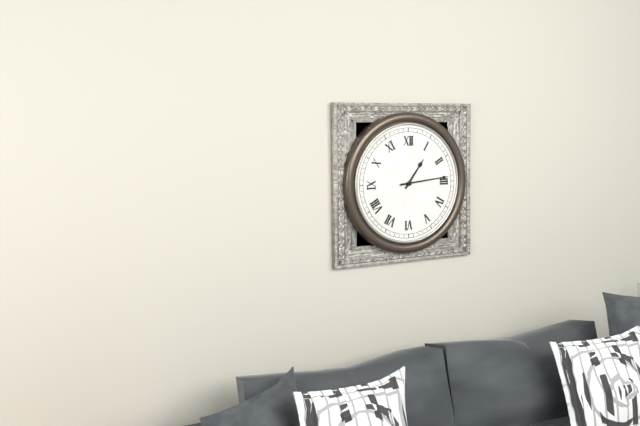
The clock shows h=1 m=14
